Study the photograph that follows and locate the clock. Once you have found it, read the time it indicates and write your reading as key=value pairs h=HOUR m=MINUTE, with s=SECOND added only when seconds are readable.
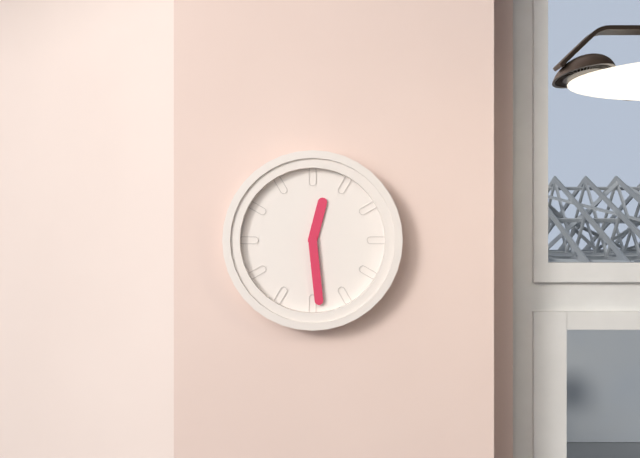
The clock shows h=12 m=29
